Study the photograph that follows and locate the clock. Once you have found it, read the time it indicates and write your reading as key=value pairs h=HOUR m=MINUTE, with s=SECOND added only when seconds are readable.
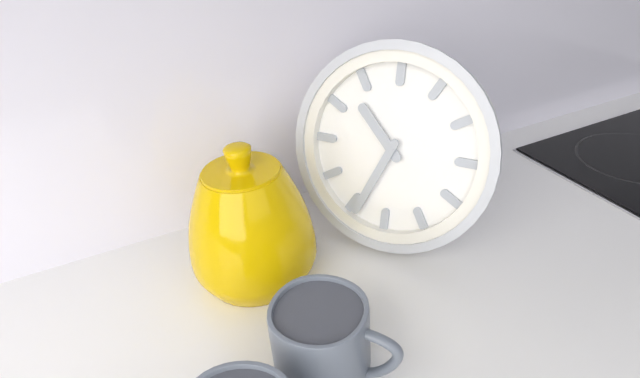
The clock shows h=10 m=34
